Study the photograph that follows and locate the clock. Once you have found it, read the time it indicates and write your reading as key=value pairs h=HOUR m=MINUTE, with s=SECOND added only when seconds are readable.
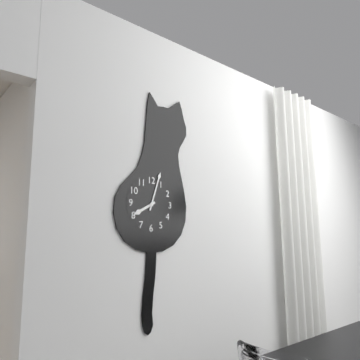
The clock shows h=8 m=3
